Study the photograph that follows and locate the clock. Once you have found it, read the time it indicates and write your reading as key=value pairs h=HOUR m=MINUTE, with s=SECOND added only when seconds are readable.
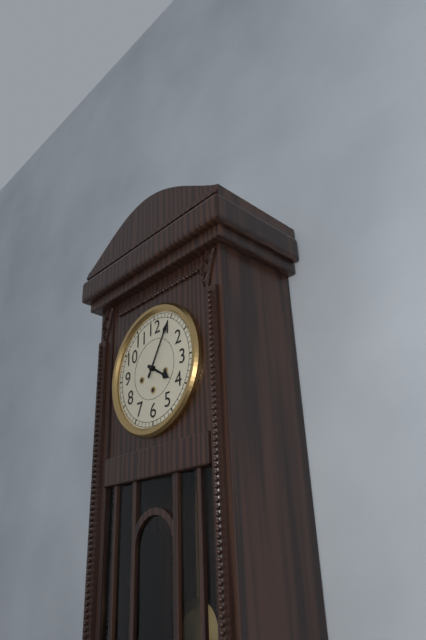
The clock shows h=4 m=5
